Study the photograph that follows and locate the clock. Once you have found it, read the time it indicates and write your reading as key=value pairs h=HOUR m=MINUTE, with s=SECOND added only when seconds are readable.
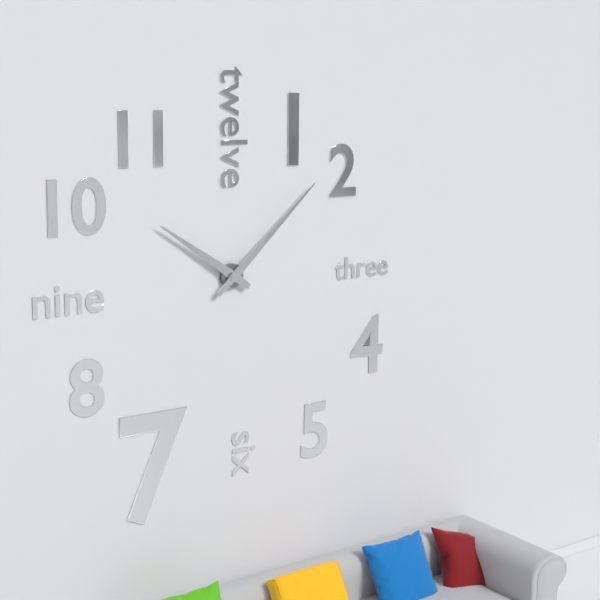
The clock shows h=10 m=8
